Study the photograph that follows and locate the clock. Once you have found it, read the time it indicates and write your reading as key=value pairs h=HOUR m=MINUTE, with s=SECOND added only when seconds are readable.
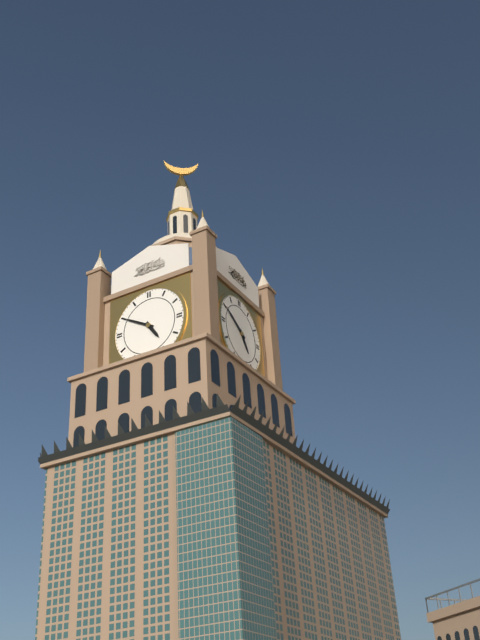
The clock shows h=4 m=50
